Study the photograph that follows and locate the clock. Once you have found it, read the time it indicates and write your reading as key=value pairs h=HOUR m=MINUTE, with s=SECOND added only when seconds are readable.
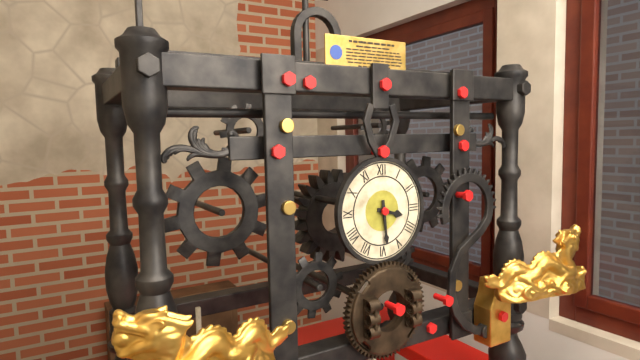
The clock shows h=3 m=29
